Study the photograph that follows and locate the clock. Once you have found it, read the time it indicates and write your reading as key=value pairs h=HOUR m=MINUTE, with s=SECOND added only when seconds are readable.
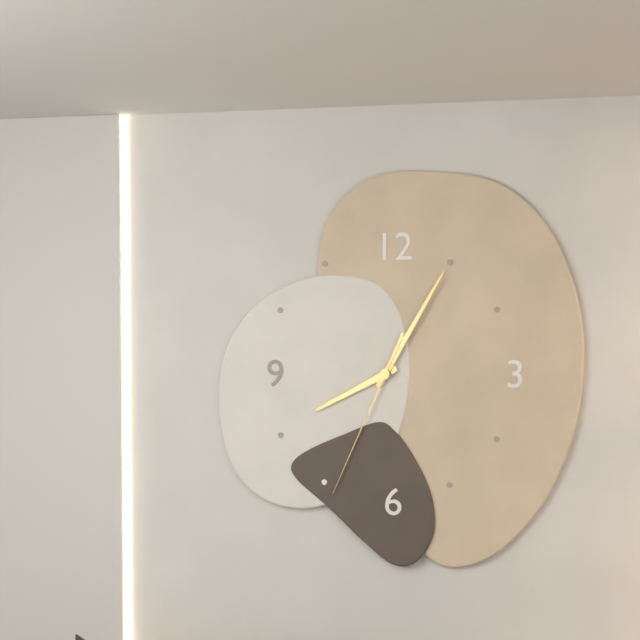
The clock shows h=8 m=5 s=34
